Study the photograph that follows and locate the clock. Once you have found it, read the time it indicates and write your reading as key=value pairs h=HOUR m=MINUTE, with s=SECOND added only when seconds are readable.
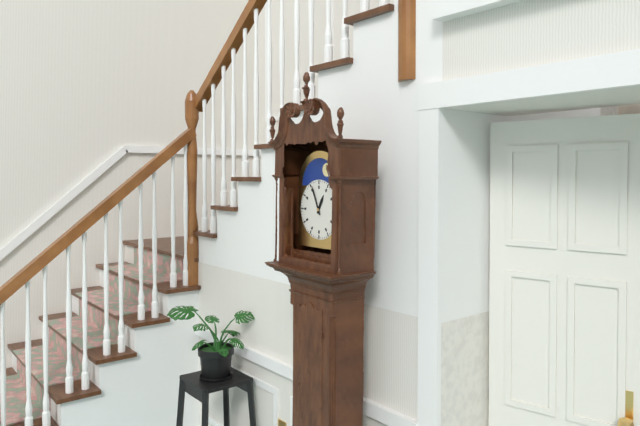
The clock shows h=12 m=56
